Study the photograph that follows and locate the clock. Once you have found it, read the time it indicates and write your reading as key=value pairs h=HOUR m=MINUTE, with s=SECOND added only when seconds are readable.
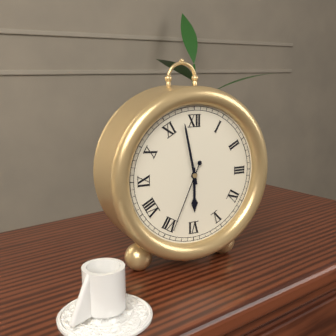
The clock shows h=5 m=58 s=34
